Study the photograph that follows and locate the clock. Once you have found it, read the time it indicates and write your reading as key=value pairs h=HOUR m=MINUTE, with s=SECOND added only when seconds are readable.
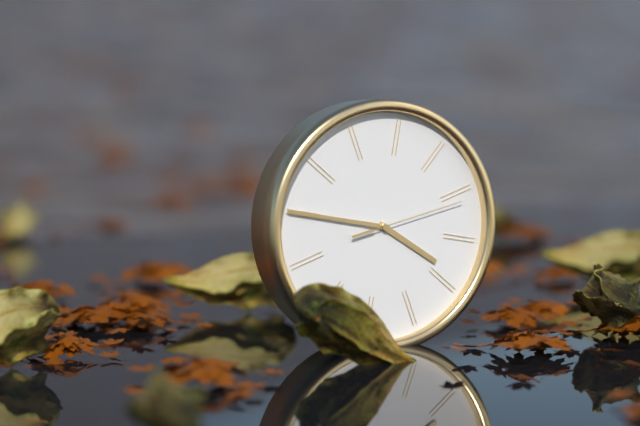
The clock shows h=3 m=45 s=11
